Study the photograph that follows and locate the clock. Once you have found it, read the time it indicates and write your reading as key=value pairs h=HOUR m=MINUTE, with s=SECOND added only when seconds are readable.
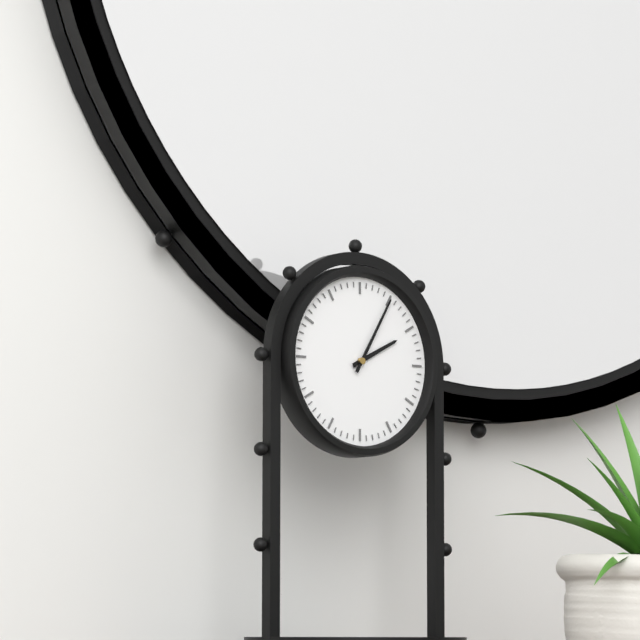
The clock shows h=2 m=5
